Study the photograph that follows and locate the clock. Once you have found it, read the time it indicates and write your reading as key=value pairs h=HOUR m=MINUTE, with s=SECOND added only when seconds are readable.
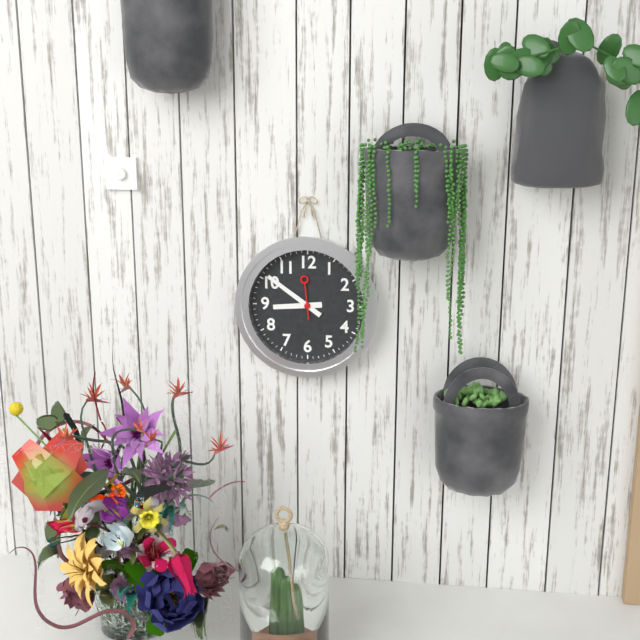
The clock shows h=8 m=51
